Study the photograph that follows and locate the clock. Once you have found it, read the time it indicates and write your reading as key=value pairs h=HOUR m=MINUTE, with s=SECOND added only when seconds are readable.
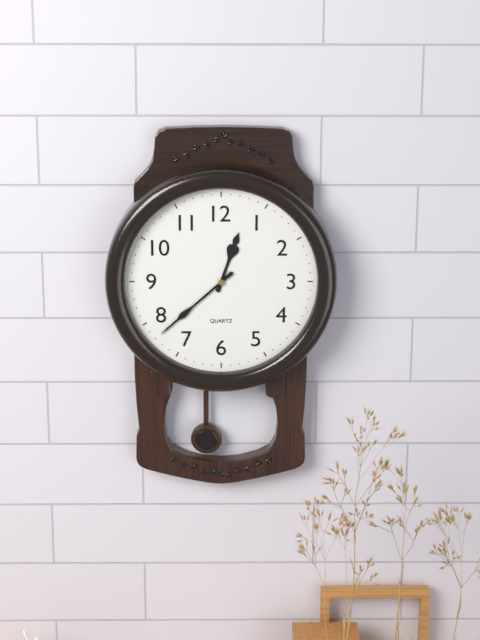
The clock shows h=12 m=38
